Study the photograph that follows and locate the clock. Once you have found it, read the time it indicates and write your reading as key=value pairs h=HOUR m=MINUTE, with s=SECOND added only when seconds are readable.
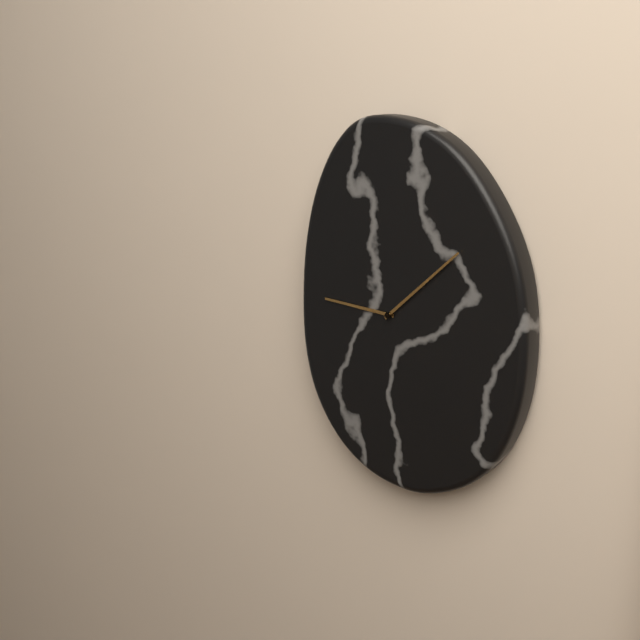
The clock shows h=9 m=8
